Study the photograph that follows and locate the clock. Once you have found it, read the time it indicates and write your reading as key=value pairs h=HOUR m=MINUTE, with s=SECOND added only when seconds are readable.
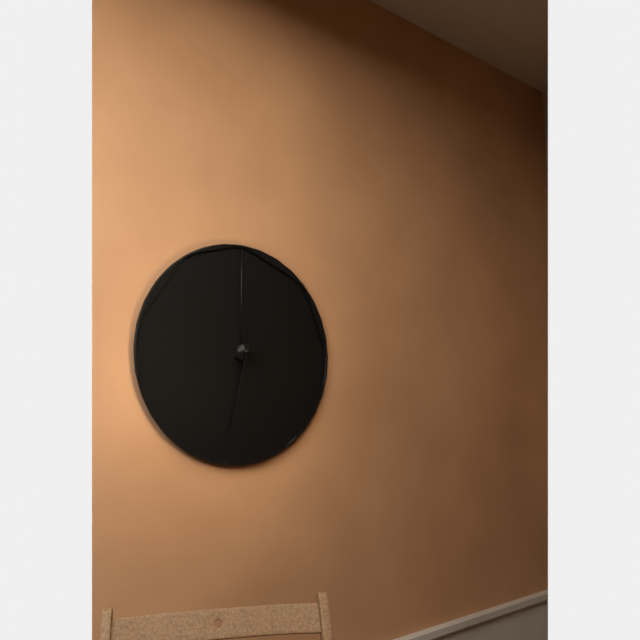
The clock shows h=8 m=32
